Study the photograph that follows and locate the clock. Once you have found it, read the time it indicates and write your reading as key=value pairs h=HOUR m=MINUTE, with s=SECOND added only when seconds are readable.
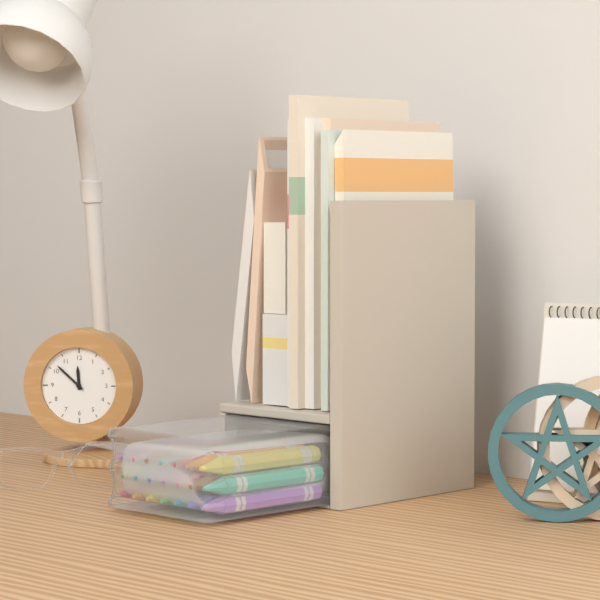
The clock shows h=11 m=52
